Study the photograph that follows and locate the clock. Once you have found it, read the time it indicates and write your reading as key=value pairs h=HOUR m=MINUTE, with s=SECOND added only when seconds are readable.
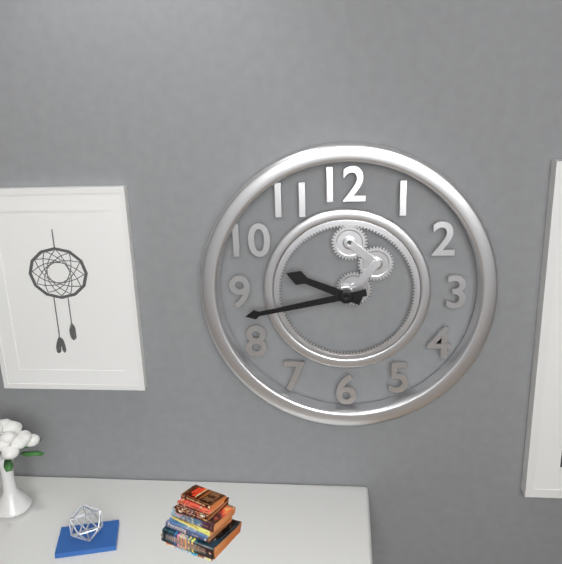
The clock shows h=9 m=43
